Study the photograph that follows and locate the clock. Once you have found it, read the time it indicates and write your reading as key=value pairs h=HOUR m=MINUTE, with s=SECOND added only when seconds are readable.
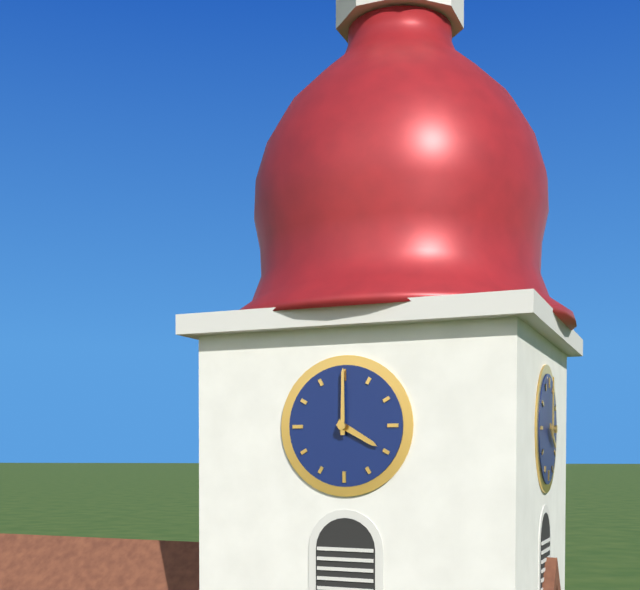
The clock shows h=4 m=0
